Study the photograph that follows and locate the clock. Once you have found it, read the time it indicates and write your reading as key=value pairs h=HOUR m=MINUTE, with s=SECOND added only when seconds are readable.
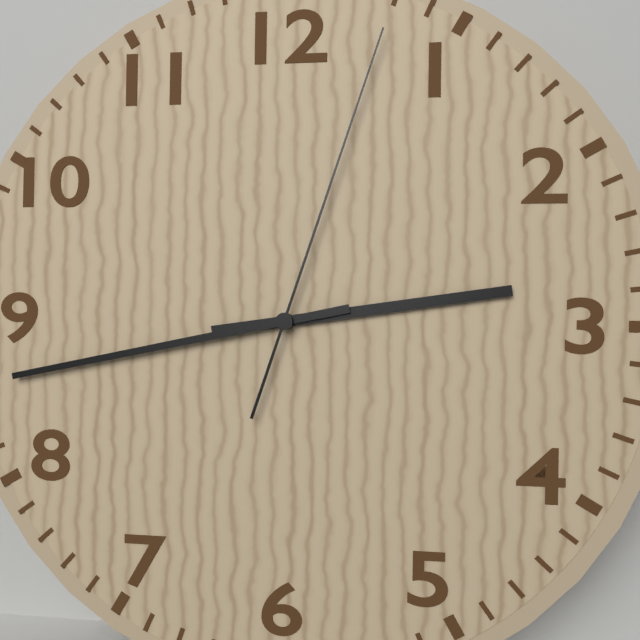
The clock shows h=2 m=43 s=3
